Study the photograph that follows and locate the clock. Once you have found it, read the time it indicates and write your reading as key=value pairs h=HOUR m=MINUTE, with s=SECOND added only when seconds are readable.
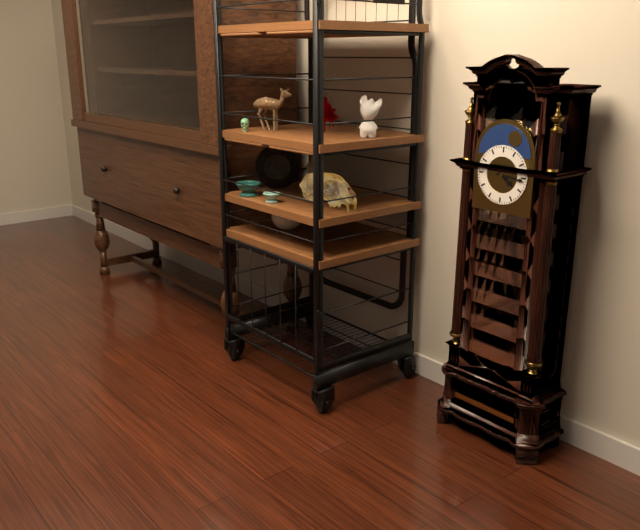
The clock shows h=4 m=16
